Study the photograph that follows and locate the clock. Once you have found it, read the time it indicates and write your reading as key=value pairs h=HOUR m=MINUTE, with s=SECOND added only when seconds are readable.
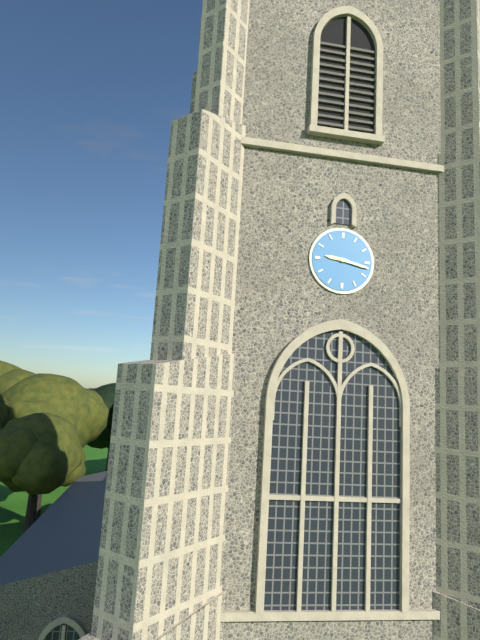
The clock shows h=9 m=17
